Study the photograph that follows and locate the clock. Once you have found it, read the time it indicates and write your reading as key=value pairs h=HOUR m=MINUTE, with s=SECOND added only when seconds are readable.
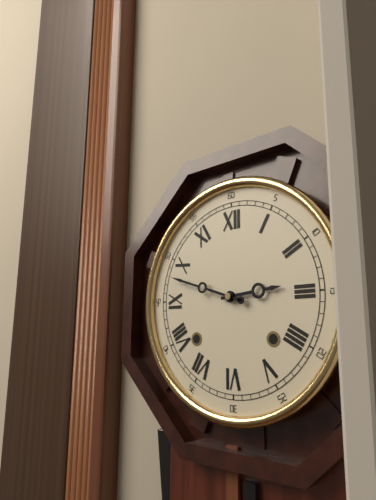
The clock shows h=2 m=48
